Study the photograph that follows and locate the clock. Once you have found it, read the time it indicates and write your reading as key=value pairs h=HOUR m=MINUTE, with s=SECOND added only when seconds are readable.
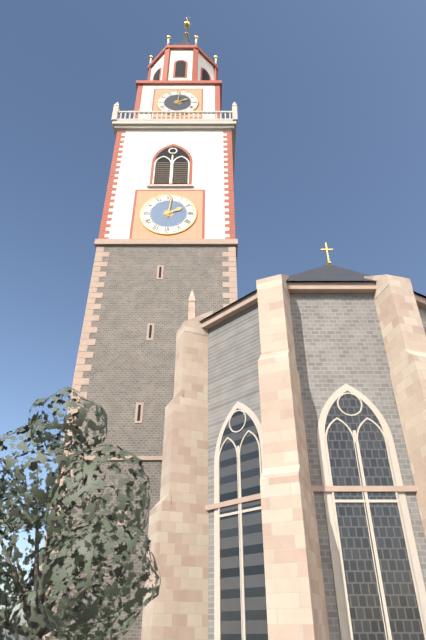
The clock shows h=2 m=1
